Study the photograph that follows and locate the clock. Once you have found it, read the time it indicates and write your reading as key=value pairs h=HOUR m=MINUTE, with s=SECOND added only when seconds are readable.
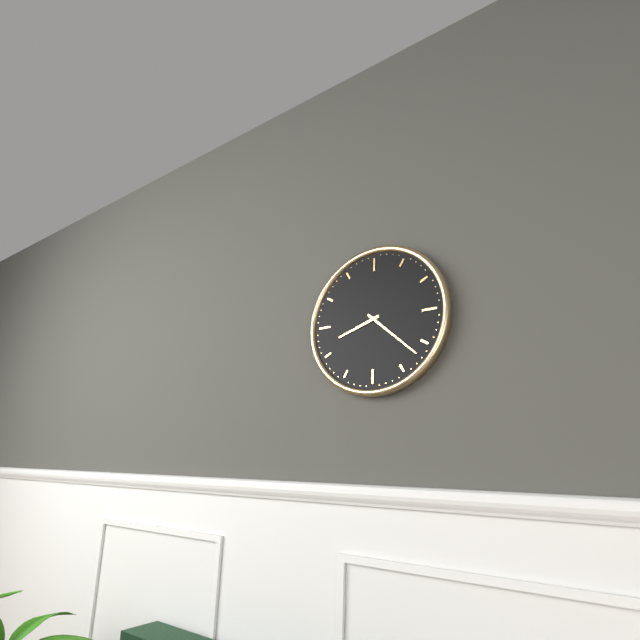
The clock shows h=8 m=22
